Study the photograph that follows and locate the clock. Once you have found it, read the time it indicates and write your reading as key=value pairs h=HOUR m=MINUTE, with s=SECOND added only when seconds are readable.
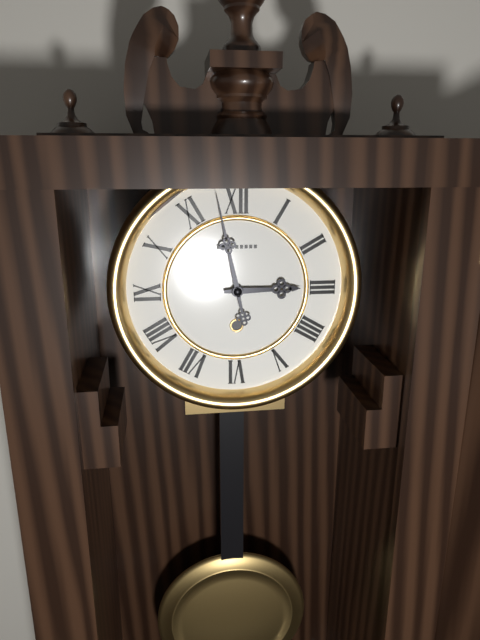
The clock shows h=2 m=58
